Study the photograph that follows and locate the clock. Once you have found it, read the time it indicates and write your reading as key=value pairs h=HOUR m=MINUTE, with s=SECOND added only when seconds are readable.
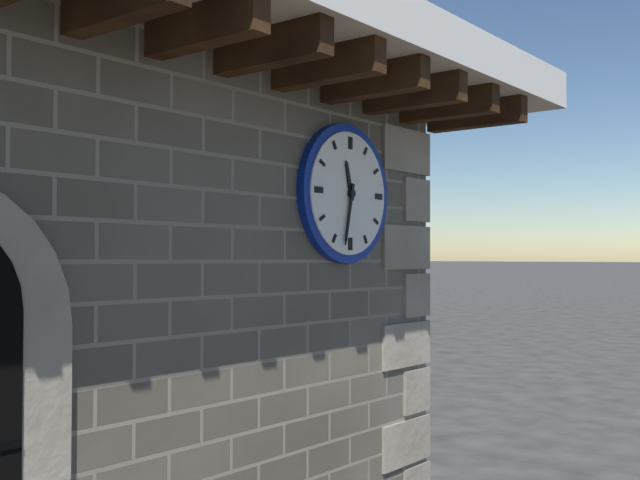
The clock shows h=11 m=32
